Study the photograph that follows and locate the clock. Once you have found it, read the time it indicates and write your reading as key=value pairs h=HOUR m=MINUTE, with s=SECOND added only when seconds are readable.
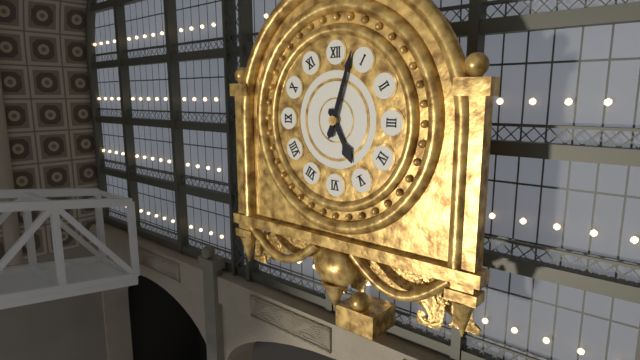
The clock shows h=5 m=3
